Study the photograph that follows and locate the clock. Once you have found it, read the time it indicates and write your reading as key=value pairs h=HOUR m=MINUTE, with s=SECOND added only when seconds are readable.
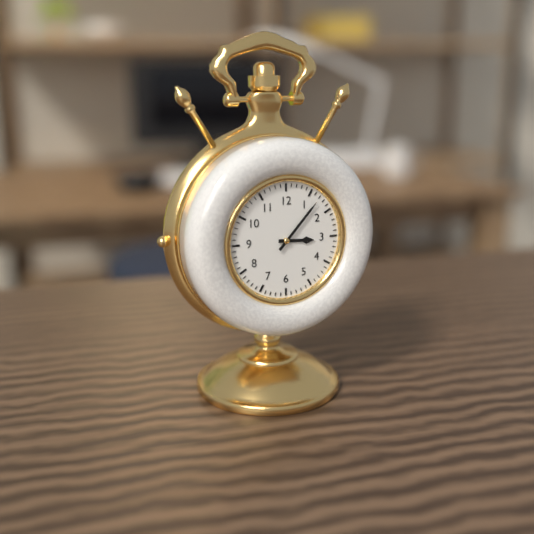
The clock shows h=3 m=7
